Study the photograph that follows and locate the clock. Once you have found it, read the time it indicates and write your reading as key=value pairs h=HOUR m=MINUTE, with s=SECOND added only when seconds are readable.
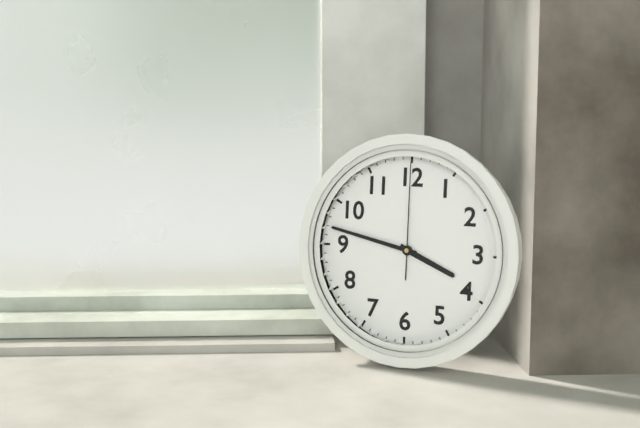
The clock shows h=3 m=47 s=0
